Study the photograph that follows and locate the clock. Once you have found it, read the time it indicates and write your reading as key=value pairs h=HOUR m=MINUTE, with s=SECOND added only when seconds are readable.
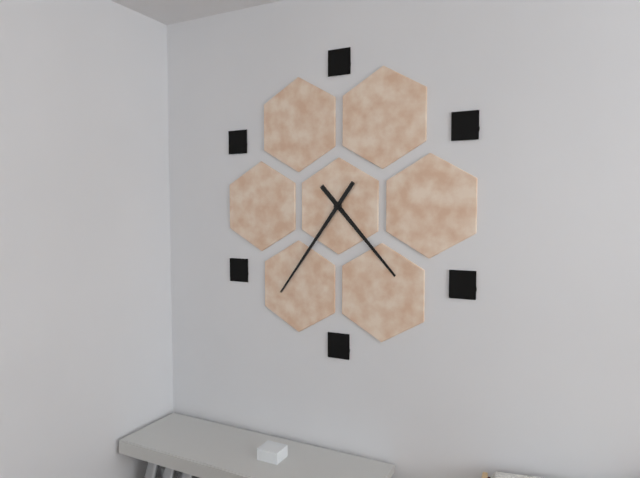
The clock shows h=4 m=36
